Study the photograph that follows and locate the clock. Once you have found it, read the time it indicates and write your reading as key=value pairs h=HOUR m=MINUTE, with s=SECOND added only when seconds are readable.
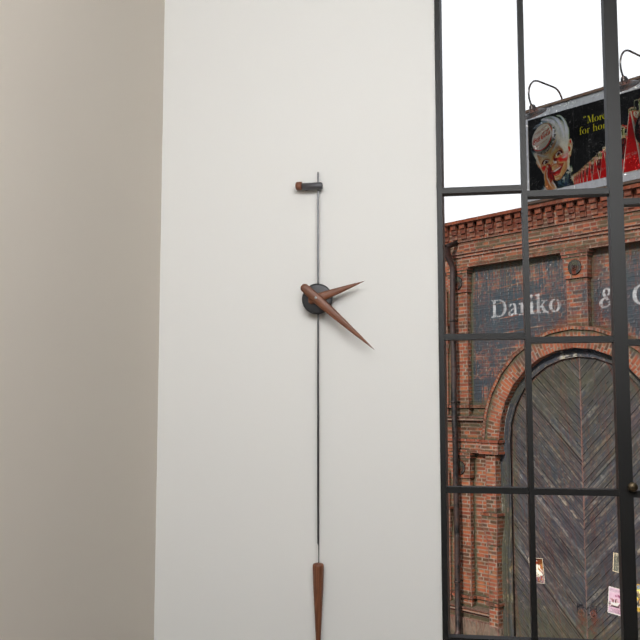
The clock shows h=2 m=22
